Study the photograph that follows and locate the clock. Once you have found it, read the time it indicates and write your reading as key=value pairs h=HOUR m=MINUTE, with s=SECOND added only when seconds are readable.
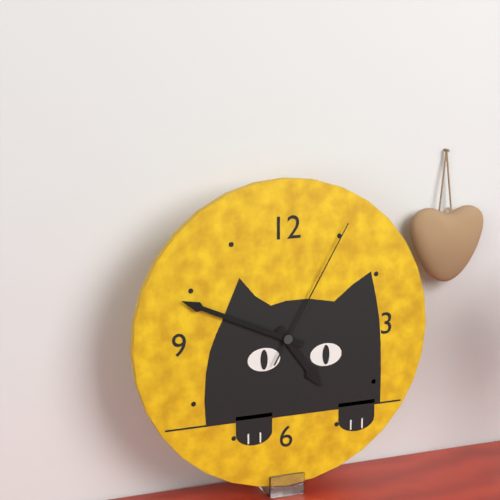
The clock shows h=4 m=49 s=5
